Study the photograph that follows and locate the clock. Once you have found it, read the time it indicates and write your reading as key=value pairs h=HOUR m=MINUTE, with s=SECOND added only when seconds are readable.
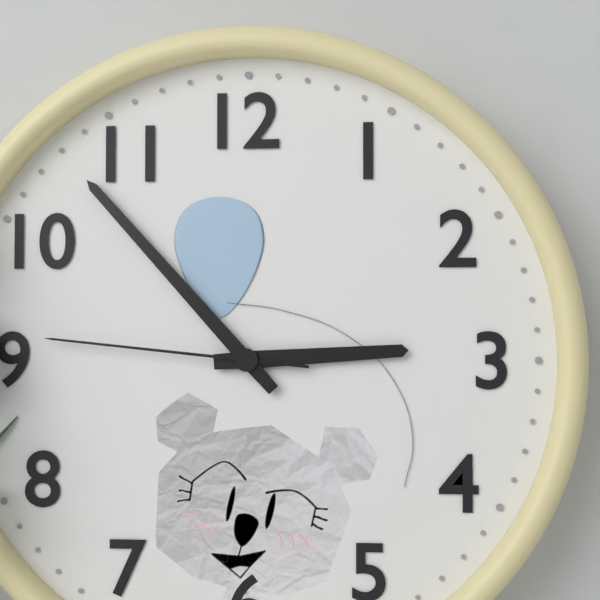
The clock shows h=2 m=53 s=46
